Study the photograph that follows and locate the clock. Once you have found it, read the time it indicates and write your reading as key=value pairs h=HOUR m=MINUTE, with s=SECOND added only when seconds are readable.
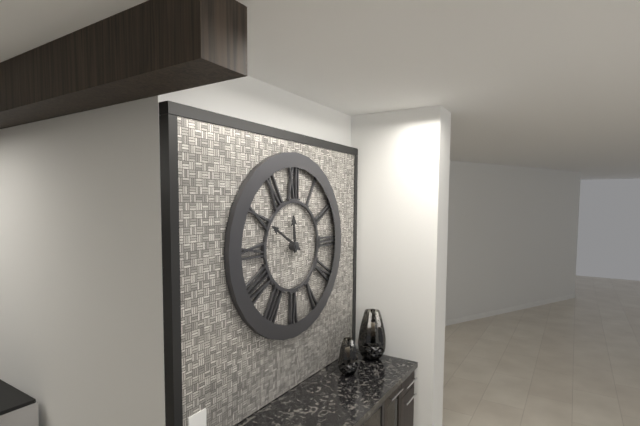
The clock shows h=11 m=50
